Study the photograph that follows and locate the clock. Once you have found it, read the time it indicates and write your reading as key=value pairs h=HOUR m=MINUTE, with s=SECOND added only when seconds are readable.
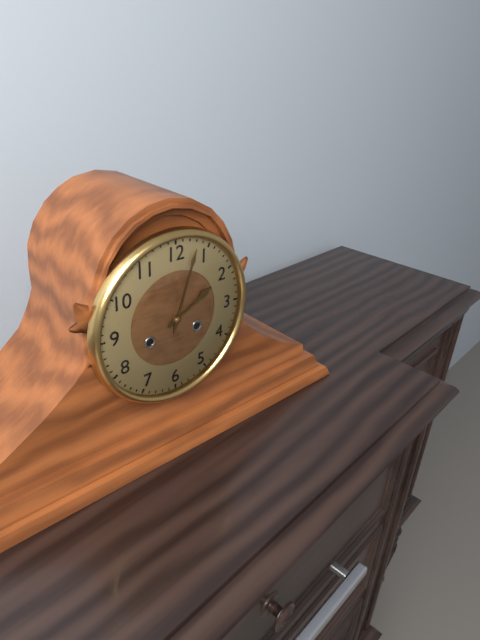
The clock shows h=2 m=3
